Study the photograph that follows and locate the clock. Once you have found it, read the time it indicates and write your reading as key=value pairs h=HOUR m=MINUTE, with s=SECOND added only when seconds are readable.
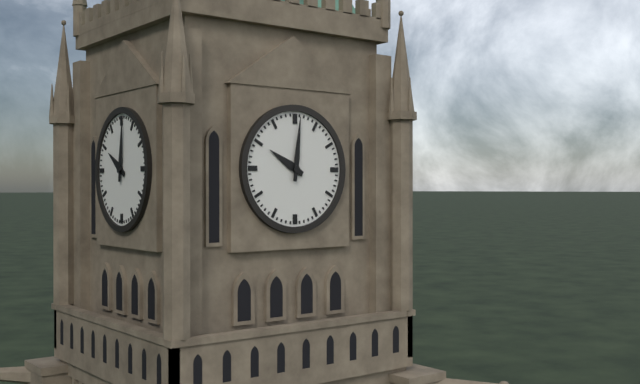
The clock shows h=10 m=1
